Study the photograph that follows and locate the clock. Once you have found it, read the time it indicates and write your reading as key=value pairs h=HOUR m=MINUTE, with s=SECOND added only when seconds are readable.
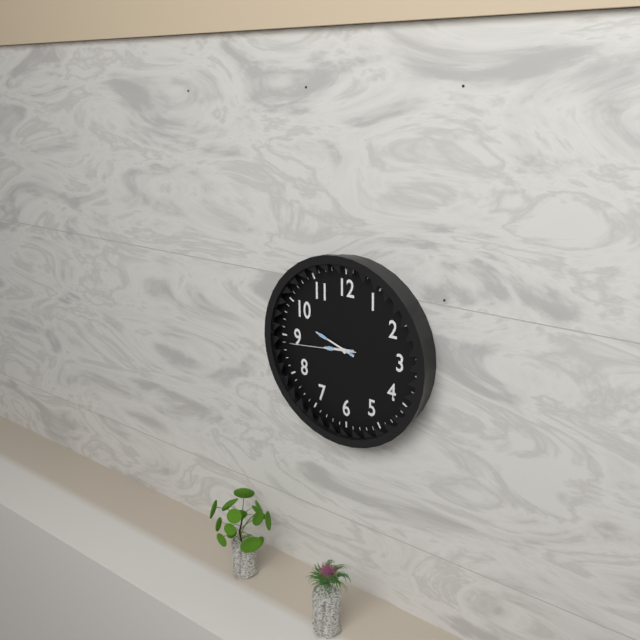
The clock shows h=8 m=48 s=44
